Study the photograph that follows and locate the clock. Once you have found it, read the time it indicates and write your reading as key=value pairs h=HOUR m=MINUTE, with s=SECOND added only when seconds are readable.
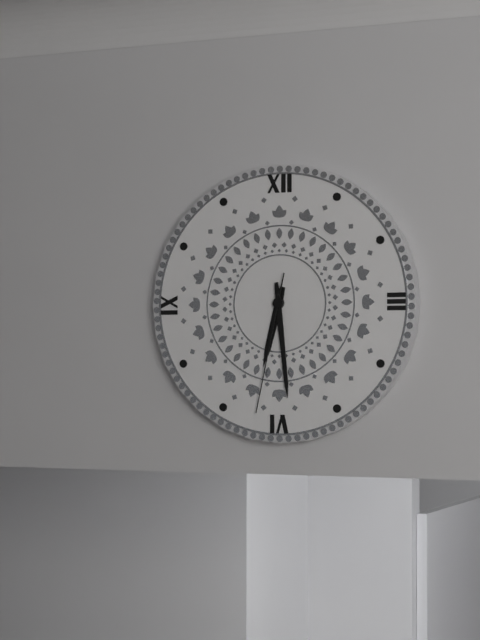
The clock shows h=6 m=29 s=32
